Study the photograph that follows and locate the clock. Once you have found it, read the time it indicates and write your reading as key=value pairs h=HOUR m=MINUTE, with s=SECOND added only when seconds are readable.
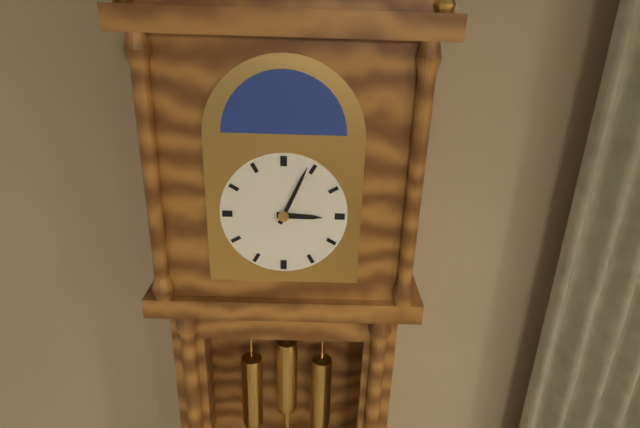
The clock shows h=3 m=4
